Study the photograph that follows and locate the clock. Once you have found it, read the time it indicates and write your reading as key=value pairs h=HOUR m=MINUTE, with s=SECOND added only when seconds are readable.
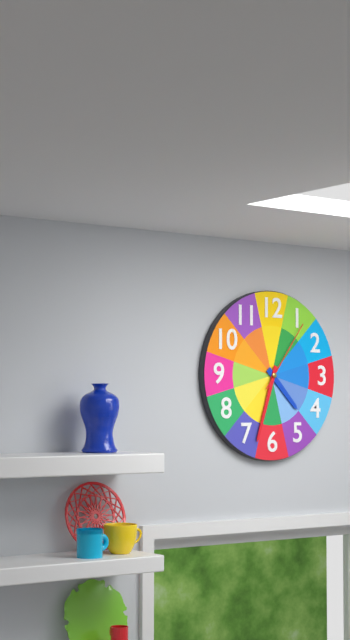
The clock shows h=4 m=33 s=6
